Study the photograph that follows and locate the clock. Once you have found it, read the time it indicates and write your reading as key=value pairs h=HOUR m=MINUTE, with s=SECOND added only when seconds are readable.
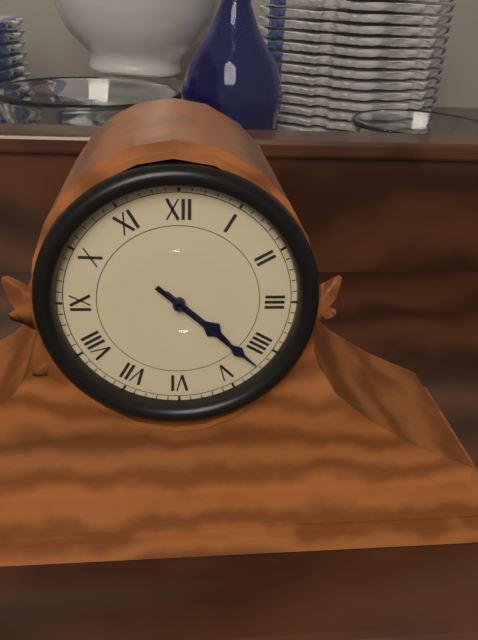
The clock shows h=4 m=22
